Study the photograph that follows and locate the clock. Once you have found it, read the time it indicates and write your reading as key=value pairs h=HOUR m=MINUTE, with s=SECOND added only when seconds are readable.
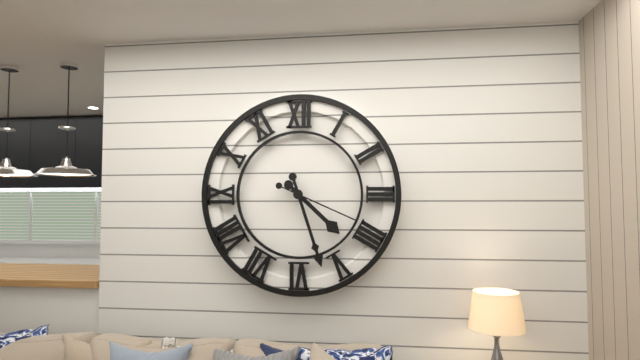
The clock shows h=4 m=27 s=19
